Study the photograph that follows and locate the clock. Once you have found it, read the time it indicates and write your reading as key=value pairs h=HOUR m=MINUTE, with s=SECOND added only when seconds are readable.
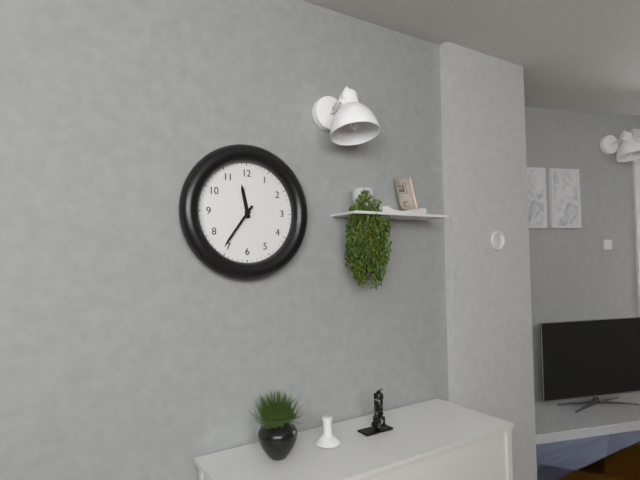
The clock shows h=11 m=36
